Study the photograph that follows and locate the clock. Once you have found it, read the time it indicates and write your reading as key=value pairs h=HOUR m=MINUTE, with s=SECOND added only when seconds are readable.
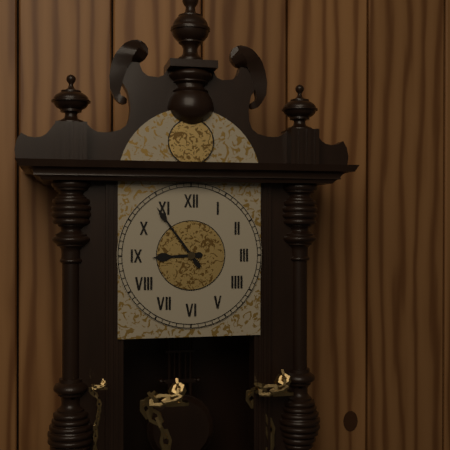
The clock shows h=8 m=54
